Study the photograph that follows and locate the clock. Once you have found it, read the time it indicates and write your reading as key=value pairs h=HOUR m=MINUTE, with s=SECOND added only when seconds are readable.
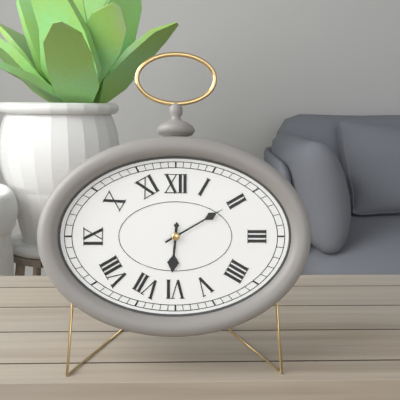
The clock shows h=6 m=10
